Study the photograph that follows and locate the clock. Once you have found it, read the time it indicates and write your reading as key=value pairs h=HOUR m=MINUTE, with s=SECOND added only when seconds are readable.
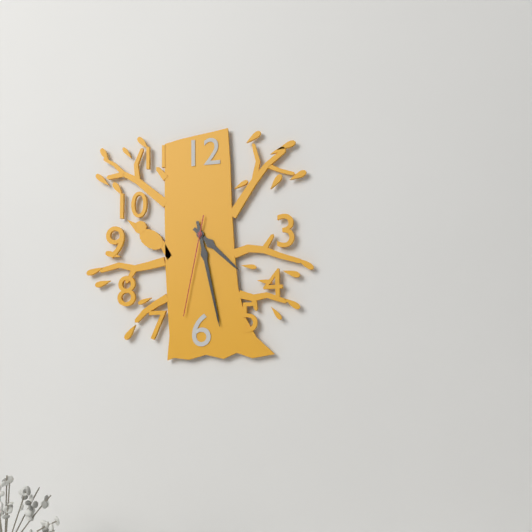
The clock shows h=4 m=28 s=32
